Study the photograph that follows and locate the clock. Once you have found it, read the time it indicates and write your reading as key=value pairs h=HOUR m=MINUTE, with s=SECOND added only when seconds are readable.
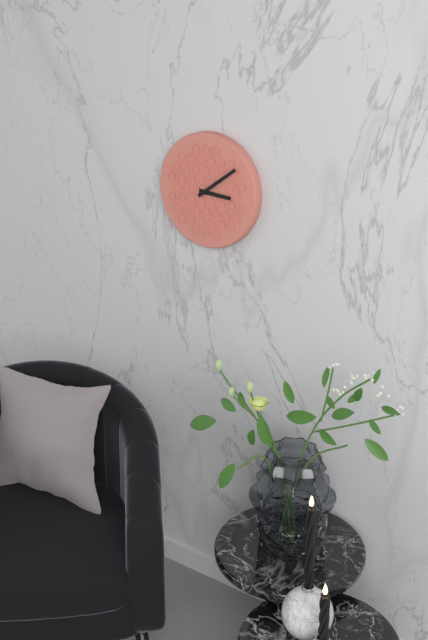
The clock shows h=3 m=9
